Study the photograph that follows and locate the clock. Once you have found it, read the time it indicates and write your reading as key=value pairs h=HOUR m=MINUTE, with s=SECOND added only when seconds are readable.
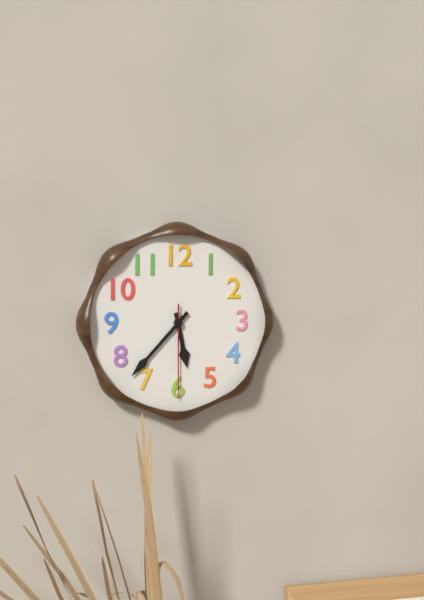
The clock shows h=5 m=37 s=30
